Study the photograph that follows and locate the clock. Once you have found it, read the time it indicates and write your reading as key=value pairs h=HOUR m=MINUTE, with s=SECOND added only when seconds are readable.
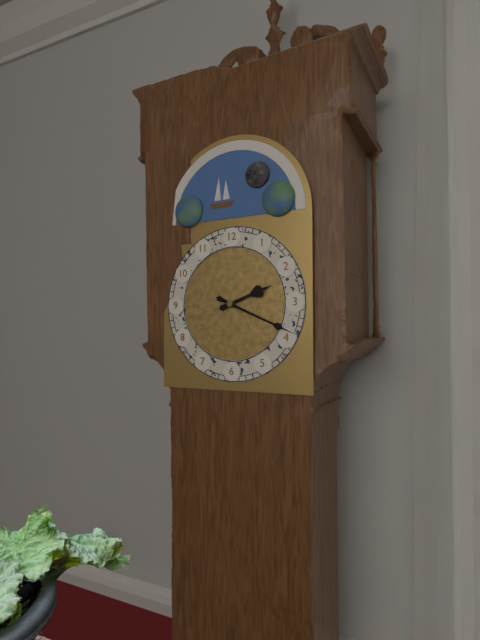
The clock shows h=2 m=19
